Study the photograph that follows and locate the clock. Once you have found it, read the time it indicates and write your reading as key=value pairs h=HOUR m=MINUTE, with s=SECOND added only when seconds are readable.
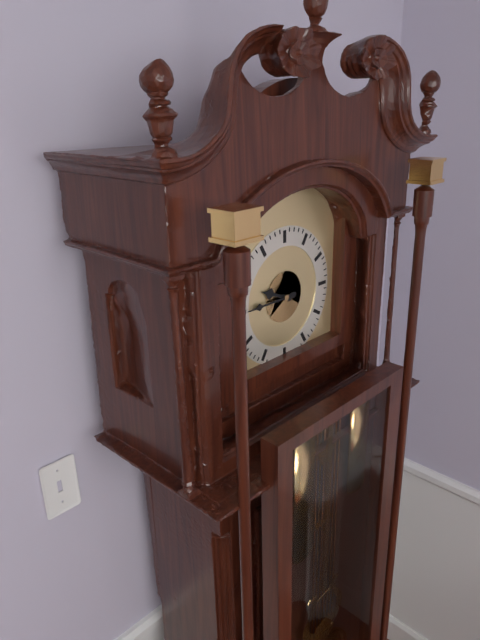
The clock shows h=9 m=45
